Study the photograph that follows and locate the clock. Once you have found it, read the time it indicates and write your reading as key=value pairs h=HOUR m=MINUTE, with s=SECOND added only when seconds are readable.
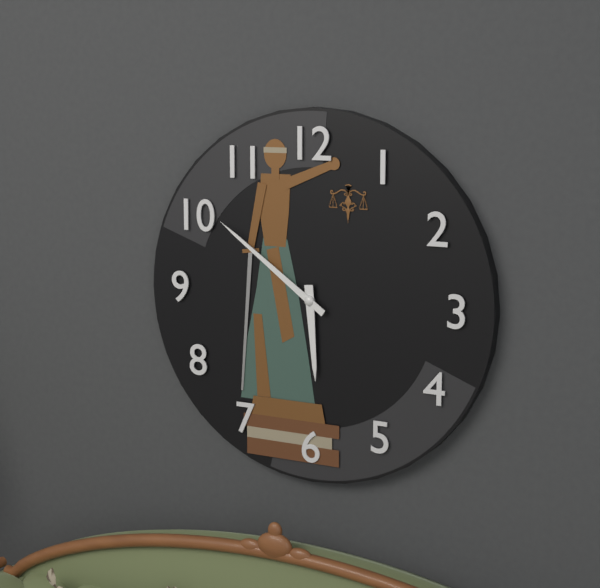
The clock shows h=5 m=51
